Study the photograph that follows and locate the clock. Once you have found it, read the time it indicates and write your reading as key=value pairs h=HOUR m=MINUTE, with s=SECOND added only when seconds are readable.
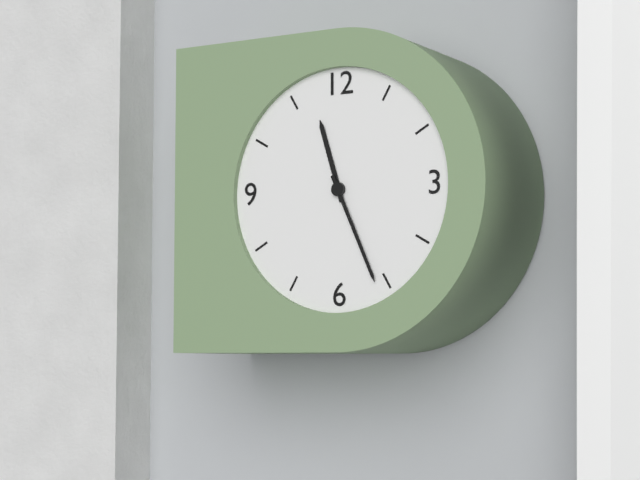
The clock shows h=11 m=26
